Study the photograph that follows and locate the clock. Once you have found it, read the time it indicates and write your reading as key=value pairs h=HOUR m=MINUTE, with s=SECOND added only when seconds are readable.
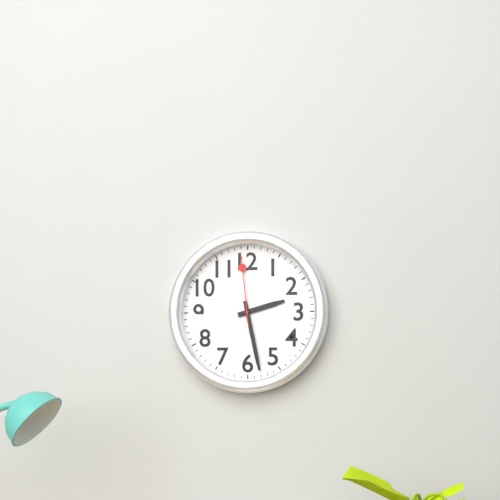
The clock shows h=2 m=28 s=59
